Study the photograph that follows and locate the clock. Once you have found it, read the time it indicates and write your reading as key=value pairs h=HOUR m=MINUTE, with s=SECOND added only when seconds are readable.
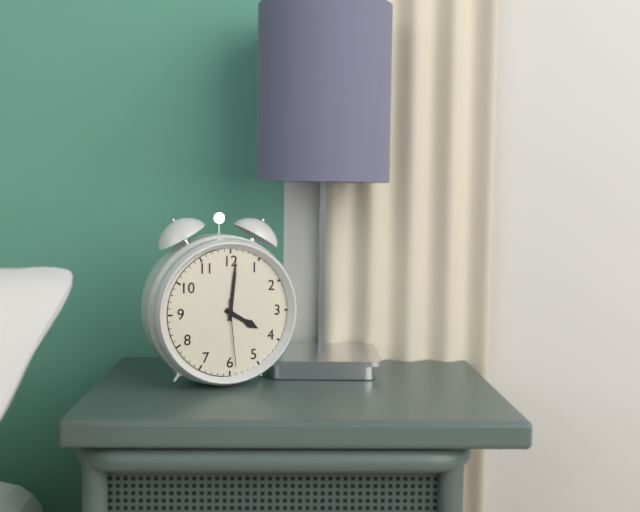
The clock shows h=4 m=1 s=29
